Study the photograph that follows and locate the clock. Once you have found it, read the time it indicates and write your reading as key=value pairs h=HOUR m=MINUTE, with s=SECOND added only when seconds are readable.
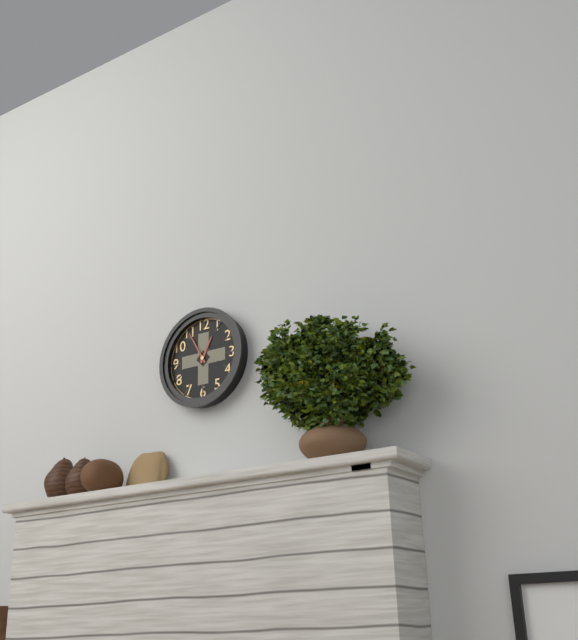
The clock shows h=12 m=55
